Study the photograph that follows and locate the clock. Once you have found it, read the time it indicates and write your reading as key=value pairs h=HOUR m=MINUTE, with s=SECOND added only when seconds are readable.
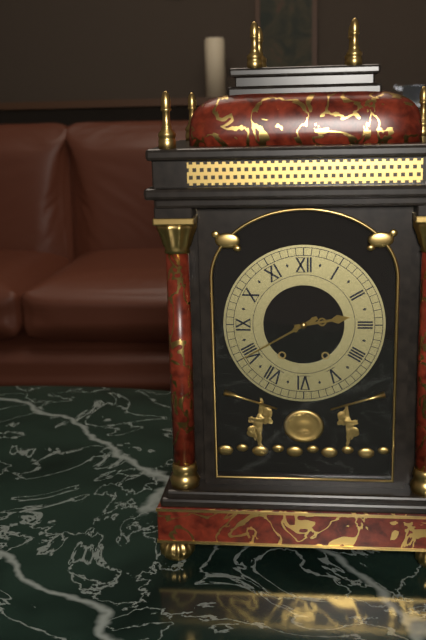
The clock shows h=2 m=40
